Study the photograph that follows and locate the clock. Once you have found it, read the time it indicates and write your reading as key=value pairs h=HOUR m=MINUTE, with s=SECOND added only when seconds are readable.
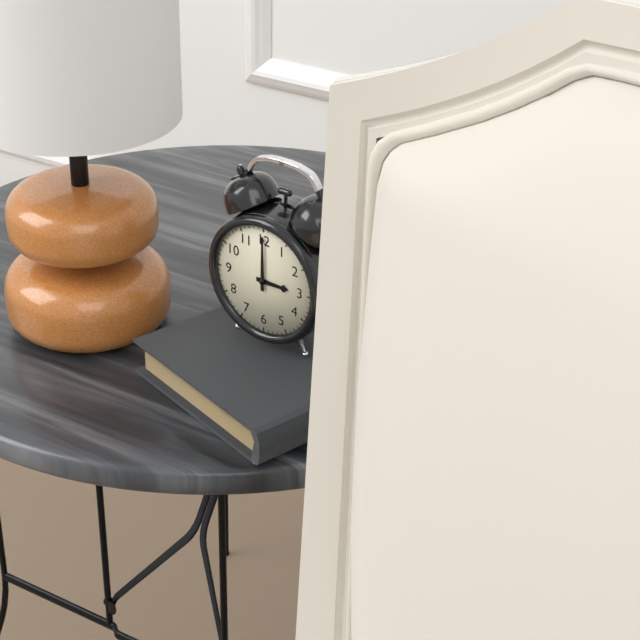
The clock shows h=3 m=0
